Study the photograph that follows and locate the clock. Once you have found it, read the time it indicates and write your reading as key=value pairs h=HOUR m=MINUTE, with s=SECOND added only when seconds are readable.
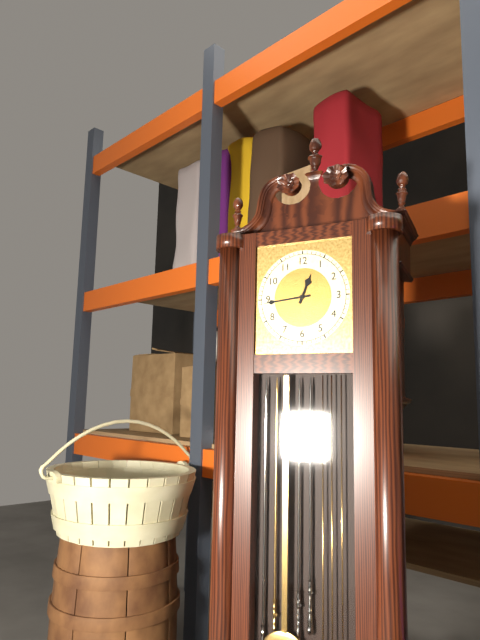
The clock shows h=12 m=44
